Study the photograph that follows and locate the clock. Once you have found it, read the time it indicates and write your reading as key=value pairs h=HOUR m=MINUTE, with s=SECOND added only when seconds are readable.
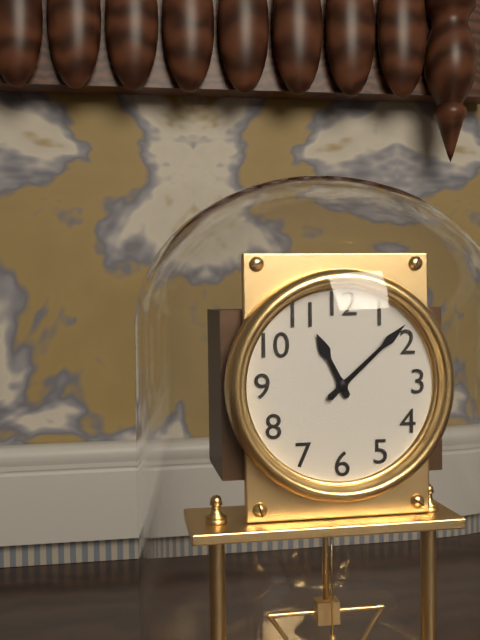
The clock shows h=11 m=8
